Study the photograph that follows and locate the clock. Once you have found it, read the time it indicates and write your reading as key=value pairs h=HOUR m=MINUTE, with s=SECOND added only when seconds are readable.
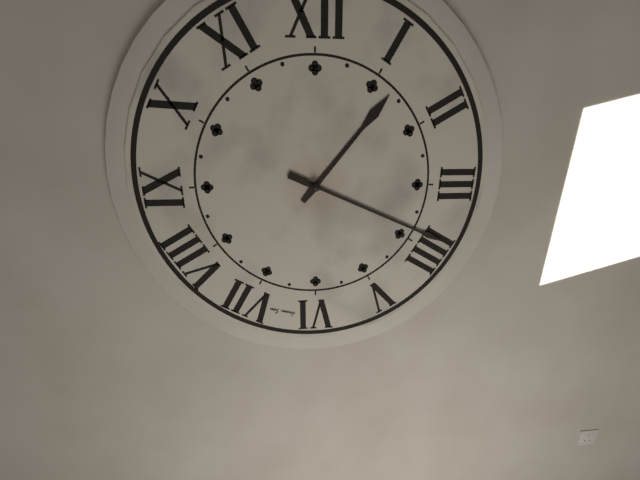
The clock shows h=1 m=19
